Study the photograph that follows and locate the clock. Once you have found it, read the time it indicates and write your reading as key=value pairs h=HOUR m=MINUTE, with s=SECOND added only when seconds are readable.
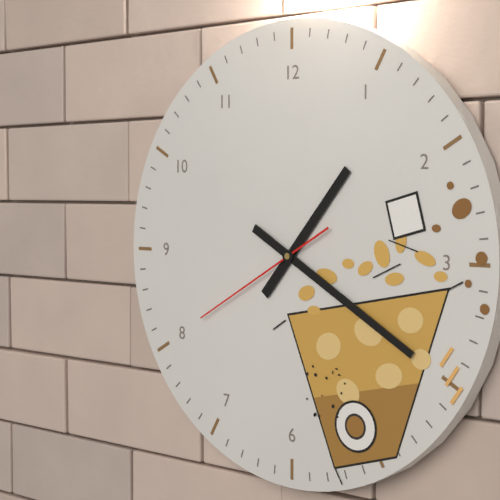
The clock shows h=1 m=20 s=40
